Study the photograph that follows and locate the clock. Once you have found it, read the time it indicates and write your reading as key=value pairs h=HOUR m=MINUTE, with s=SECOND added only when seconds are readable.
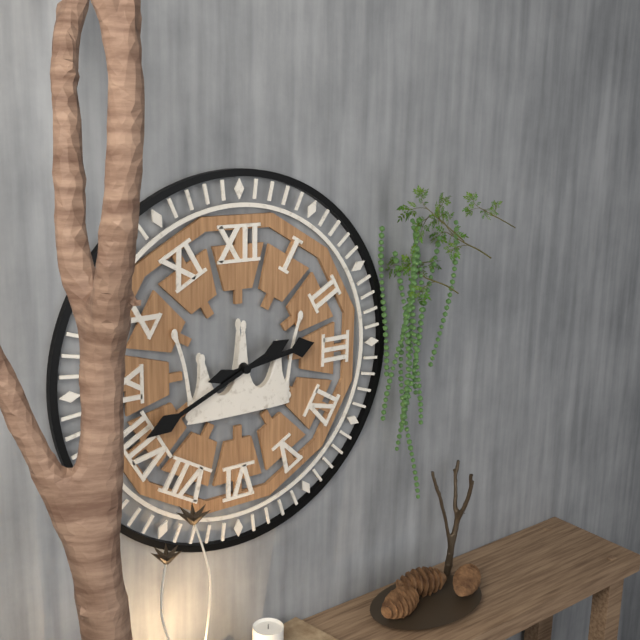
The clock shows h=2 m=41
